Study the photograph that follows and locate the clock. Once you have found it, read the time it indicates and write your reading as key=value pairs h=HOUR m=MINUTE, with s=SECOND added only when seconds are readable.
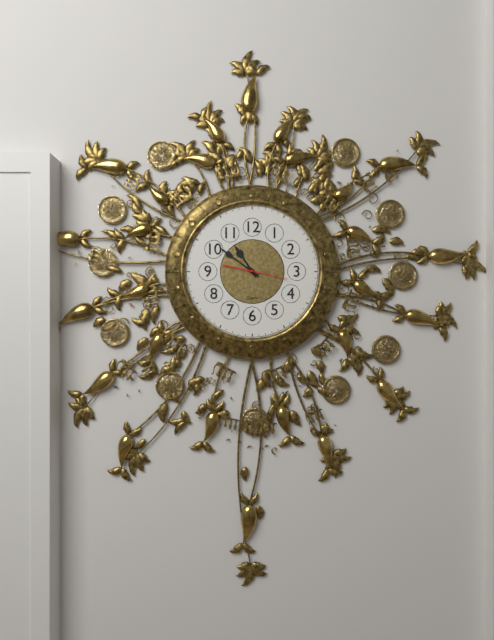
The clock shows h=10 m=51
